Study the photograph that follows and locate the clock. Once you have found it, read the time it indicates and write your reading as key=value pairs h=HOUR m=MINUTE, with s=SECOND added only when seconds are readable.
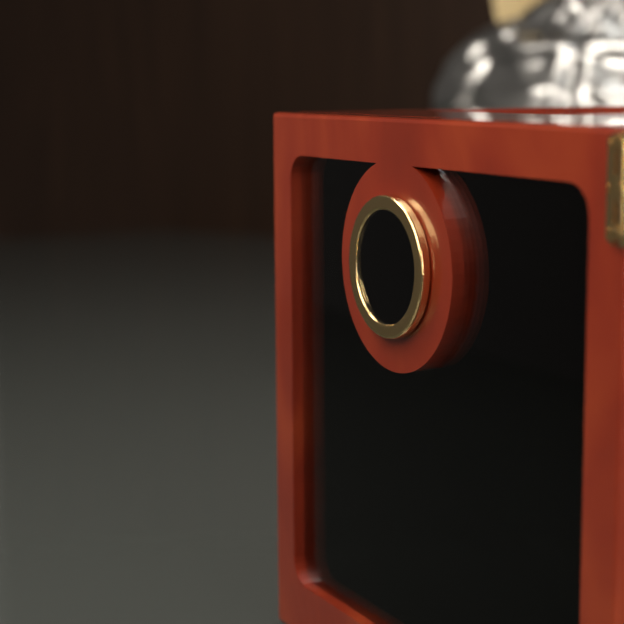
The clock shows h=7 m=33
